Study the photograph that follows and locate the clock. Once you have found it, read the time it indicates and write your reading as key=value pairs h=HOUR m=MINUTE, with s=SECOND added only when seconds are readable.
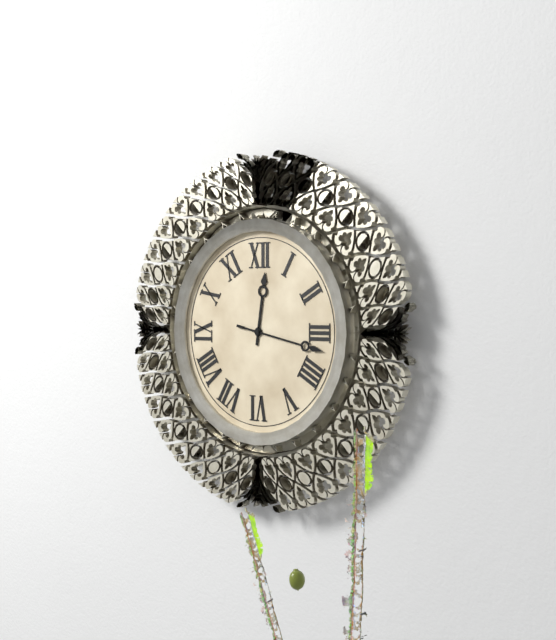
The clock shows h=12 m=17
